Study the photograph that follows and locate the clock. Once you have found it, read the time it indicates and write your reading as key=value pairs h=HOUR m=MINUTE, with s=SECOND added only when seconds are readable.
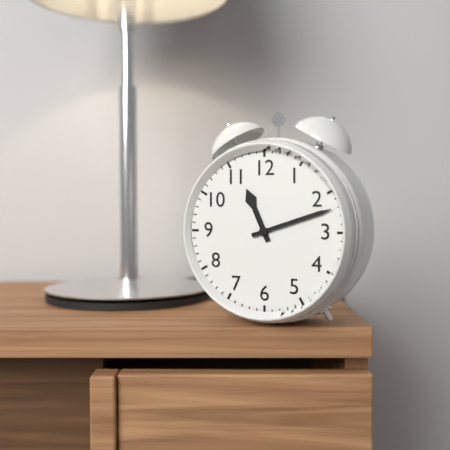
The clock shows h=11 m=12
